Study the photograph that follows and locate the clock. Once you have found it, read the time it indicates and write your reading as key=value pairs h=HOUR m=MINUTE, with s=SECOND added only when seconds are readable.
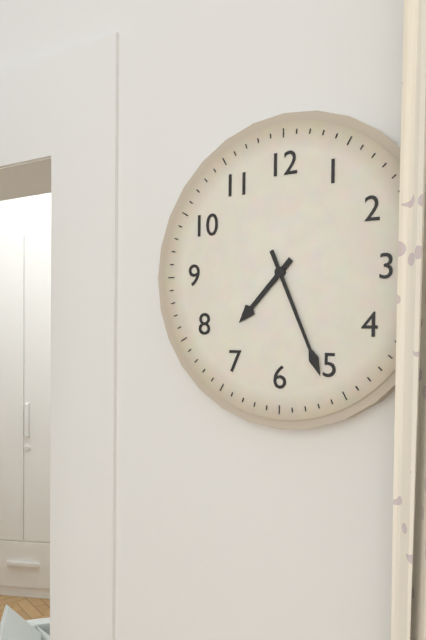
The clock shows h=7 m=26
